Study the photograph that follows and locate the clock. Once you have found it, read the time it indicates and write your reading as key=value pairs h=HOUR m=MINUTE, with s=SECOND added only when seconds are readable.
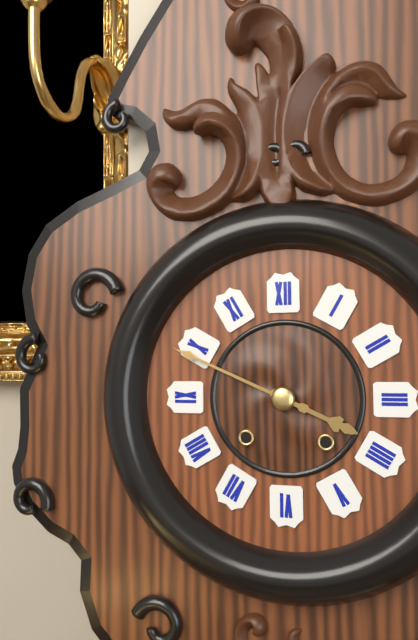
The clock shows h=3 m=49
